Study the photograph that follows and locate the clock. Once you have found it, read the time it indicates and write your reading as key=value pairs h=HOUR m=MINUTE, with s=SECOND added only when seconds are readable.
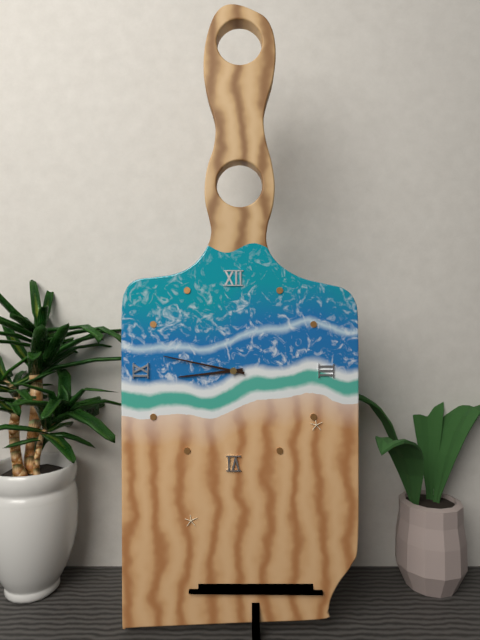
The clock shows h=8 m=47
